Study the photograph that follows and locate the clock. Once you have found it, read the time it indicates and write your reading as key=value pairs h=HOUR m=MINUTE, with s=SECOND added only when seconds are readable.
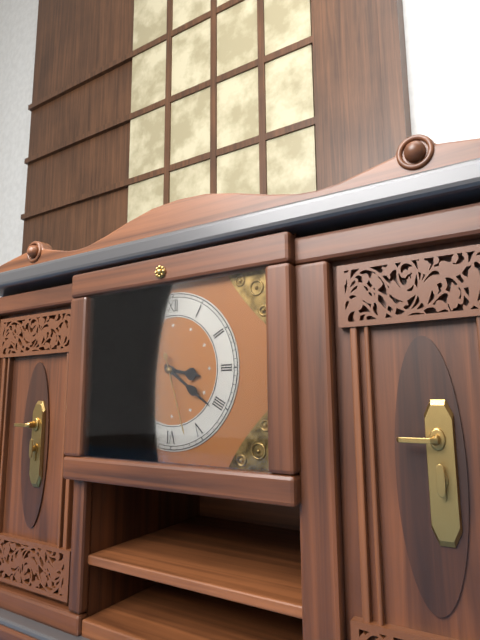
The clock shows h=3 m=21 s=27
